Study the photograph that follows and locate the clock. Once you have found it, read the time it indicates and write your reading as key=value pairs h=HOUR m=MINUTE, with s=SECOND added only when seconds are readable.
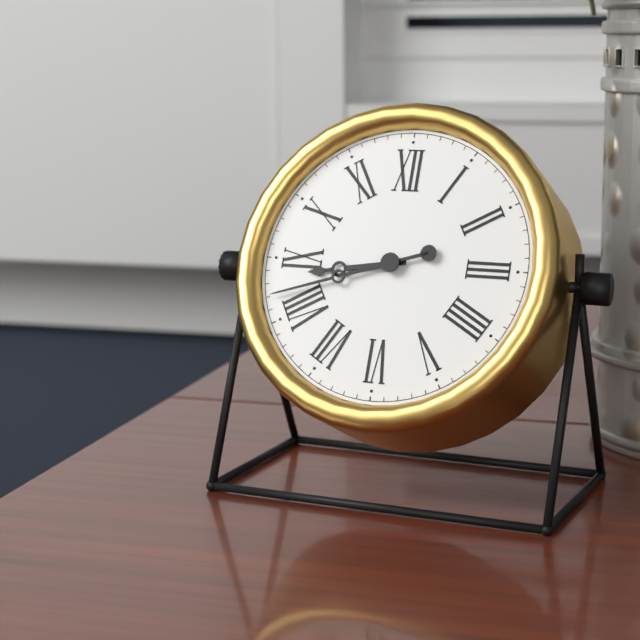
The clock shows h=8 m=42
